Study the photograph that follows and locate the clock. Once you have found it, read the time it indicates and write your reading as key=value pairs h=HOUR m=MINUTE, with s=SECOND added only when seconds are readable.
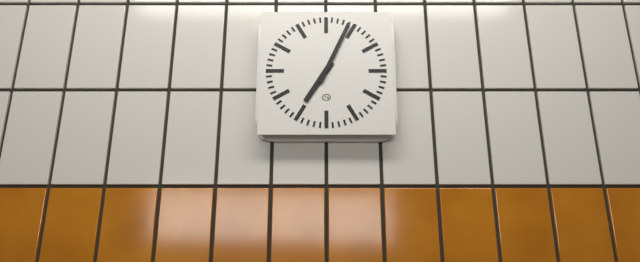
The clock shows h=7 m=4
